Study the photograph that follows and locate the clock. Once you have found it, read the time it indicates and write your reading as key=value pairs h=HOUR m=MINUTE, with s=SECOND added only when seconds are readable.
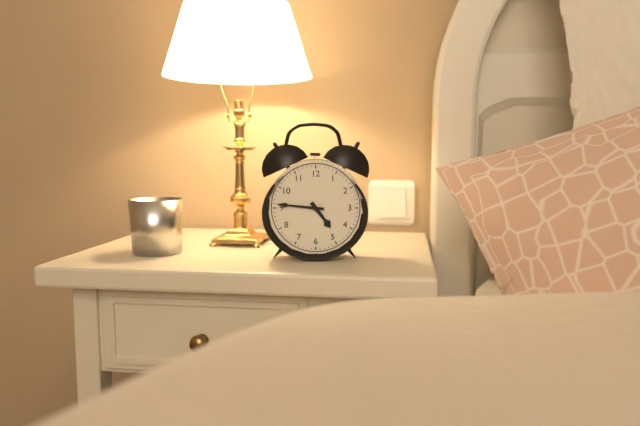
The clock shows h=4 m=46
